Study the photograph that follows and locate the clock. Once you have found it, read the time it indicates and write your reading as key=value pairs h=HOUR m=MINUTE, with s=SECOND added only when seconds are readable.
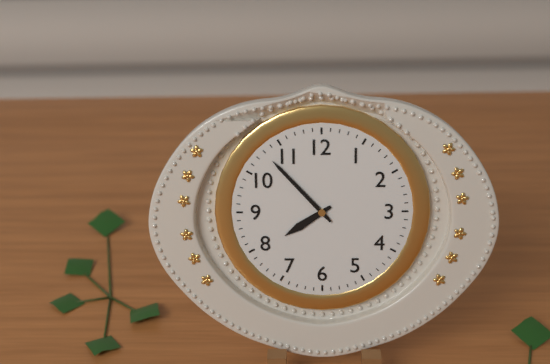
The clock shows h=7 m=53
